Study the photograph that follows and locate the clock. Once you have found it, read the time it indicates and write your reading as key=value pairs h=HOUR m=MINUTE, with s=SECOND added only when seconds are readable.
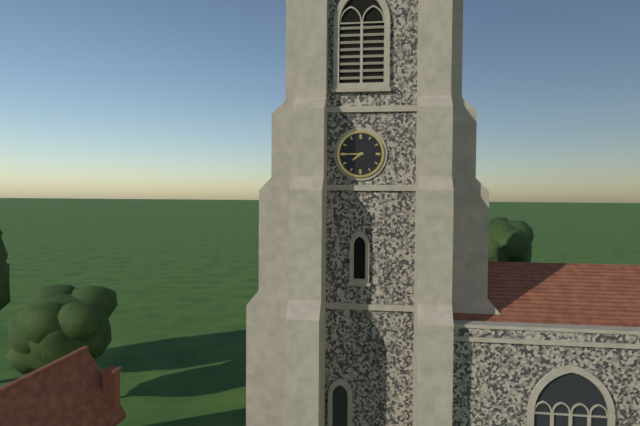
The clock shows h=7 m=45
